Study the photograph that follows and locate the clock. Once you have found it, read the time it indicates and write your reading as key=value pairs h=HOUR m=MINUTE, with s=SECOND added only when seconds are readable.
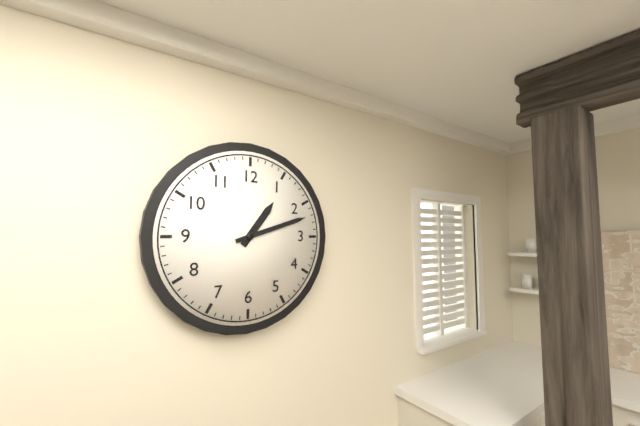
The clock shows h=1 m=12
